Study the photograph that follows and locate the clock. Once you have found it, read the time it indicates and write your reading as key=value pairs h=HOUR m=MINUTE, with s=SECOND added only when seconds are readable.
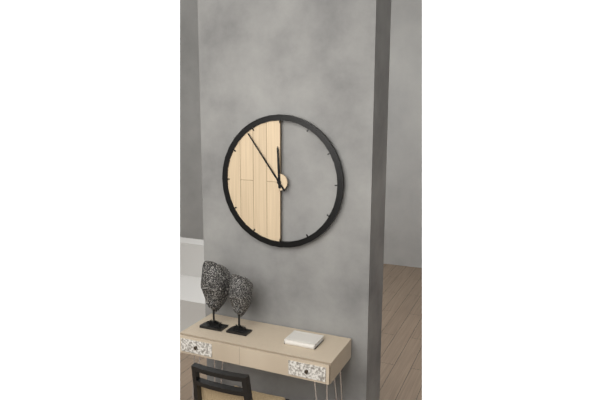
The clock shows h=11 m=54
